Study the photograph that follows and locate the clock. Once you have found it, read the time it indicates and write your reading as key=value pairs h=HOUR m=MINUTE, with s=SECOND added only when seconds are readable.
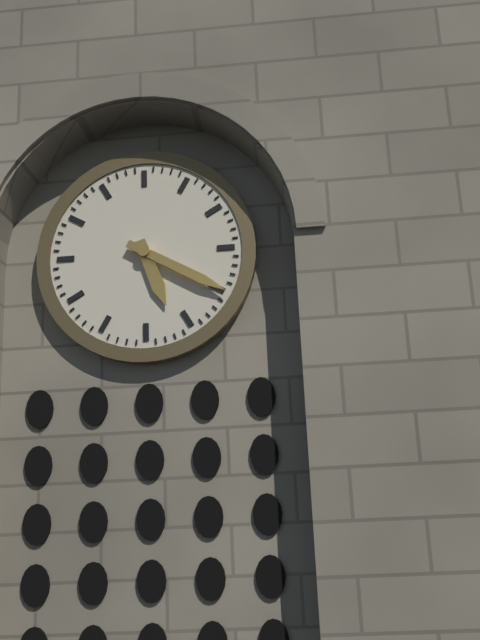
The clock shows h=5 m=20
